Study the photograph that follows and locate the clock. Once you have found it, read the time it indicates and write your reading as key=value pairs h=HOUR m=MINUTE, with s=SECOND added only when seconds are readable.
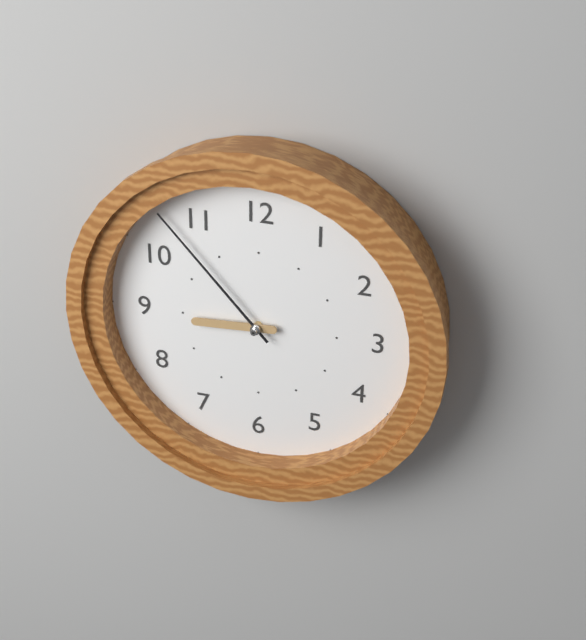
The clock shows h=8 m=53
